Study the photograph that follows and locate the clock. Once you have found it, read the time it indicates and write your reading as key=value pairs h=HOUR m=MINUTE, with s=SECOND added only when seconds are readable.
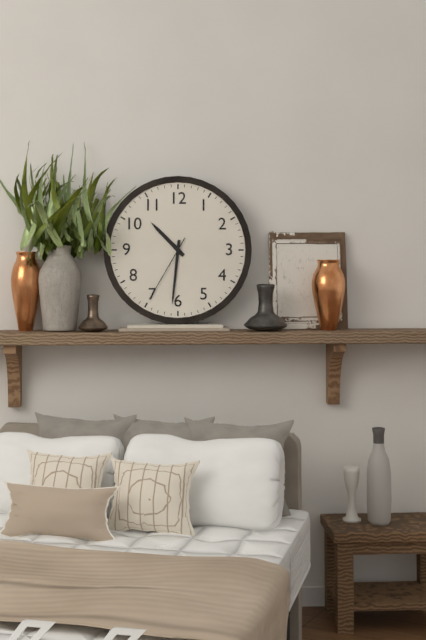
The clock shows h=10 m=31 s=35
